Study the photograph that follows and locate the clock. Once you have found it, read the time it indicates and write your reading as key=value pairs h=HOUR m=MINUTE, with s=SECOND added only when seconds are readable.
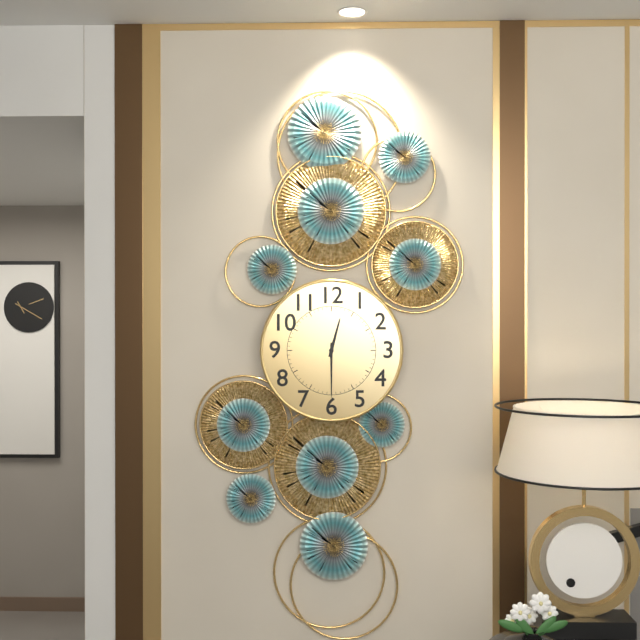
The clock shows h=12 m=30
